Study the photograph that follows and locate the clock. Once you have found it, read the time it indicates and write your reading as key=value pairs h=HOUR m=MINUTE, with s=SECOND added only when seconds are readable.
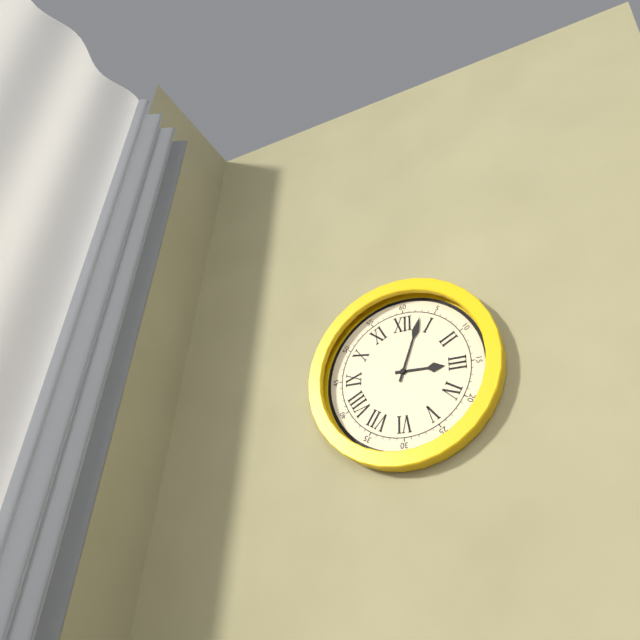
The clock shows h=3 m=3
